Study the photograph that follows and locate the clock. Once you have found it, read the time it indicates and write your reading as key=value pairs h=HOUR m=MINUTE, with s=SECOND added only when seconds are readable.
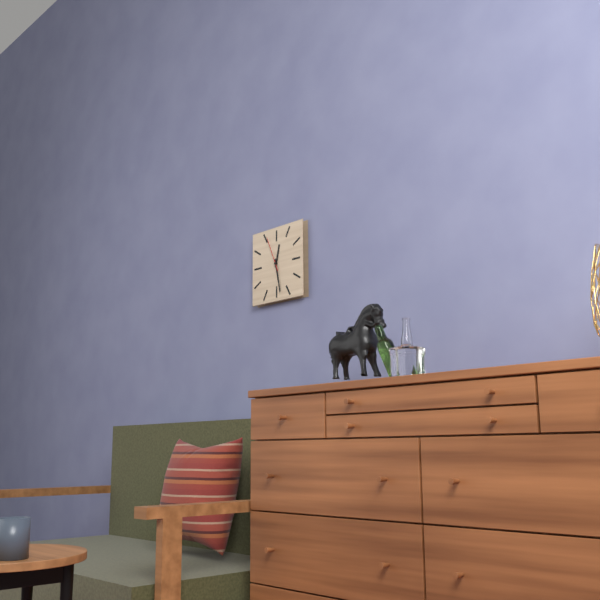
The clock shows h=12 m=28
